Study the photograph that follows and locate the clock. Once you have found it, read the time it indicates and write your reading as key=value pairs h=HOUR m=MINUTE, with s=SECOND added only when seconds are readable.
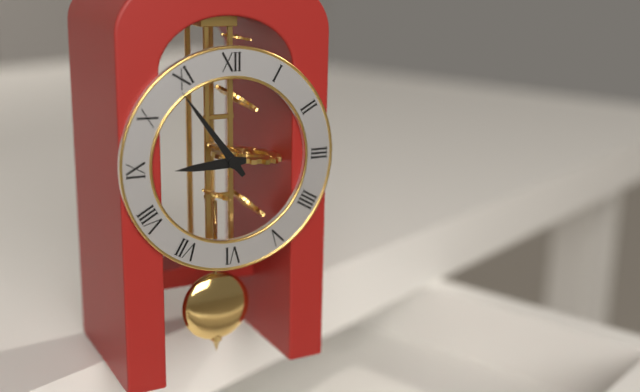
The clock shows h=8 m=54
